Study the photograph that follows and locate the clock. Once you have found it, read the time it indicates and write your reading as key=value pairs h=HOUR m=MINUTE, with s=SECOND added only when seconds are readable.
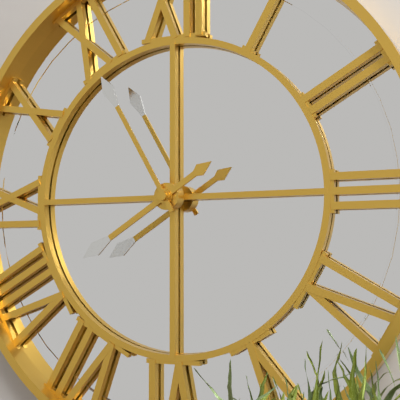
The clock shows h=7 m=55
